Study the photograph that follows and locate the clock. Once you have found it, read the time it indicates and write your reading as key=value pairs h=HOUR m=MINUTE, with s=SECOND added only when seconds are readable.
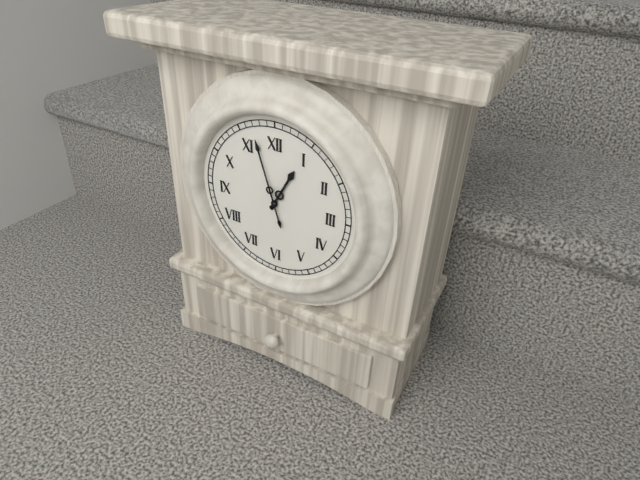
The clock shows h=12 m=57
